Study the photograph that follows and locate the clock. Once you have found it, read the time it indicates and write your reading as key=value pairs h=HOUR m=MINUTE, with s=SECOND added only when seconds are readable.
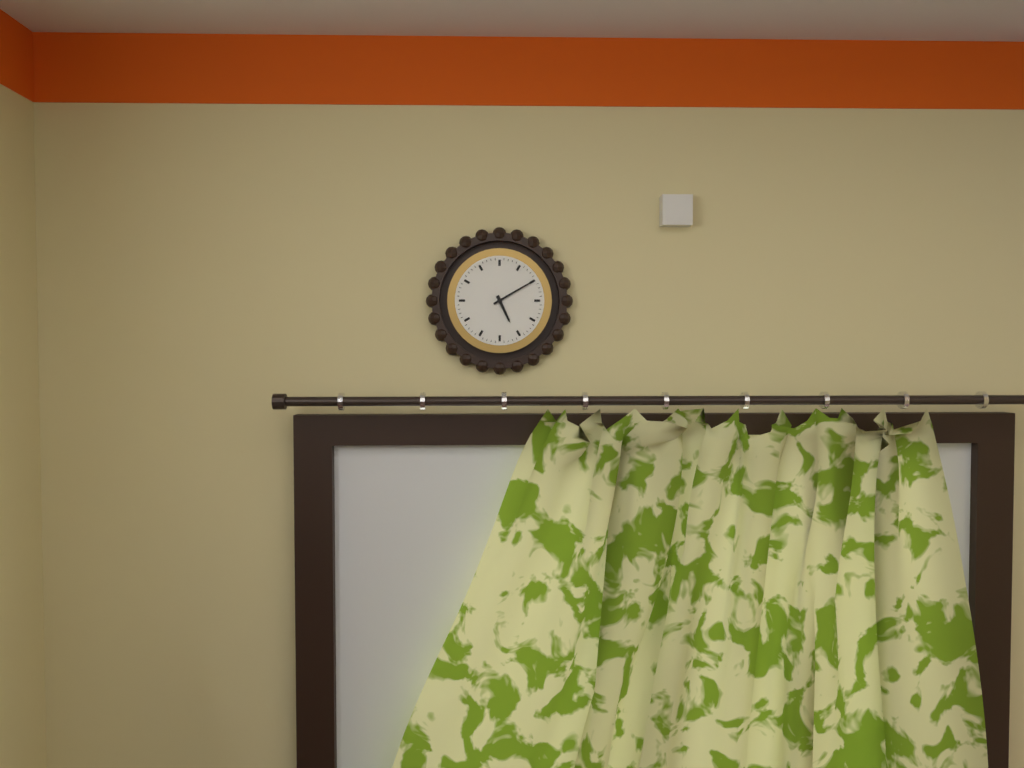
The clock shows h=5 m=10
